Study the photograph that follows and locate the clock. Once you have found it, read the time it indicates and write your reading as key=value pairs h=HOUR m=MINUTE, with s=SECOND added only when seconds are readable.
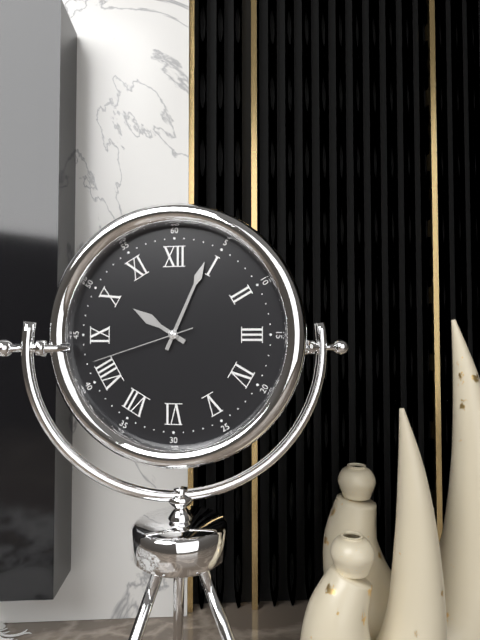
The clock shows h=10 m=4 s=42
